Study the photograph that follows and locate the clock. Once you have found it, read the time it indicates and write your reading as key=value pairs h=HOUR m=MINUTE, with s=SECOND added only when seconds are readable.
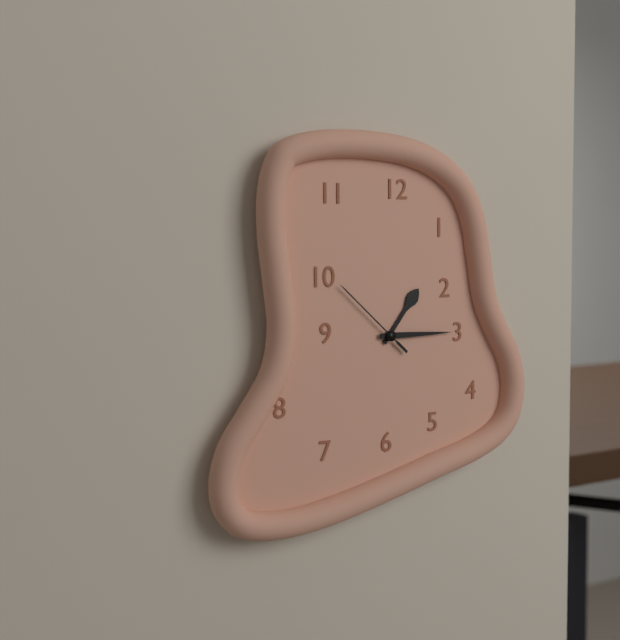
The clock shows h=1 m=15 s=52
